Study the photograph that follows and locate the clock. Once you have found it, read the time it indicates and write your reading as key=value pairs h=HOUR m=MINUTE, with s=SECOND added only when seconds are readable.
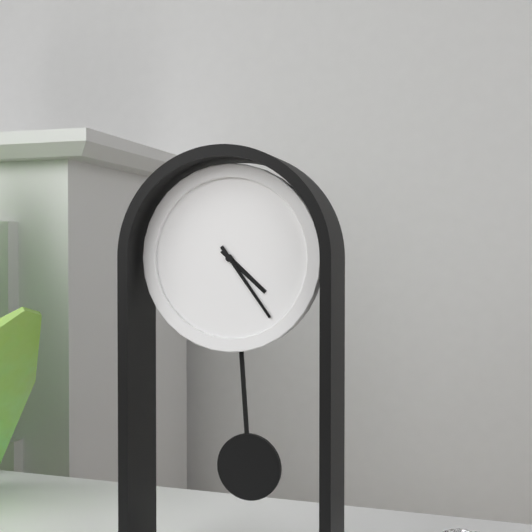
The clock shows h=4 m=24
